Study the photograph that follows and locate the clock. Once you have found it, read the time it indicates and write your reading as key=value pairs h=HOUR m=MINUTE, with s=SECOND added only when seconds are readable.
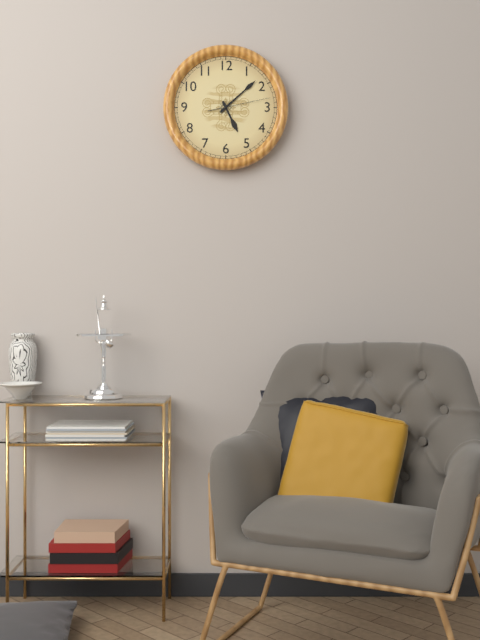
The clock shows h=5 m=8 s=13
